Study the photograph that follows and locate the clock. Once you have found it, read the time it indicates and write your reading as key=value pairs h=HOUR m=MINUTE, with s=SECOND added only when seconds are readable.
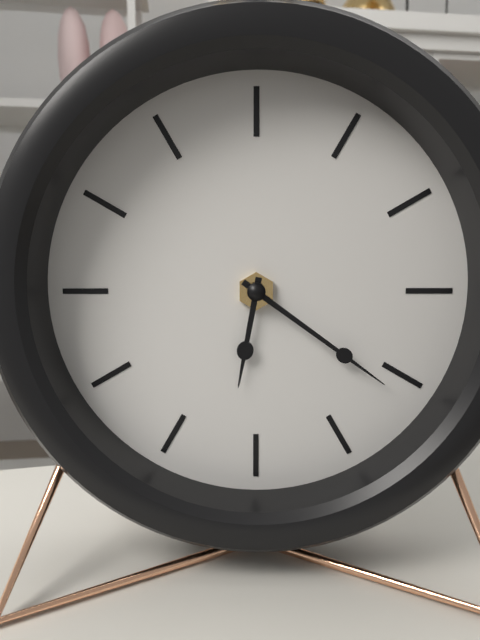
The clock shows h=6 m=21
